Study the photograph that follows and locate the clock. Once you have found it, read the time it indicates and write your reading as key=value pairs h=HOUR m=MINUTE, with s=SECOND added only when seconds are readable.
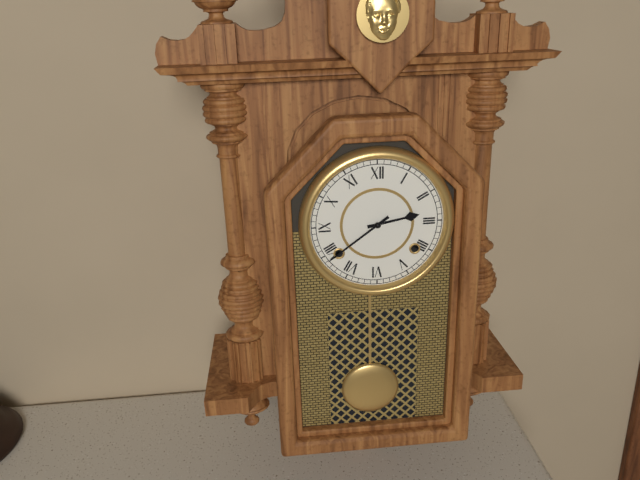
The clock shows h=2 m=39
